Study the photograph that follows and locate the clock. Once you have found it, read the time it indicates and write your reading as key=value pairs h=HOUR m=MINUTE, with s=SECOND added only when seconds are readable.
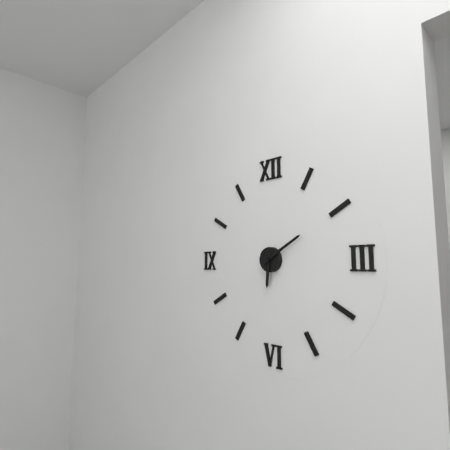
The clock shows h=6 m=10
